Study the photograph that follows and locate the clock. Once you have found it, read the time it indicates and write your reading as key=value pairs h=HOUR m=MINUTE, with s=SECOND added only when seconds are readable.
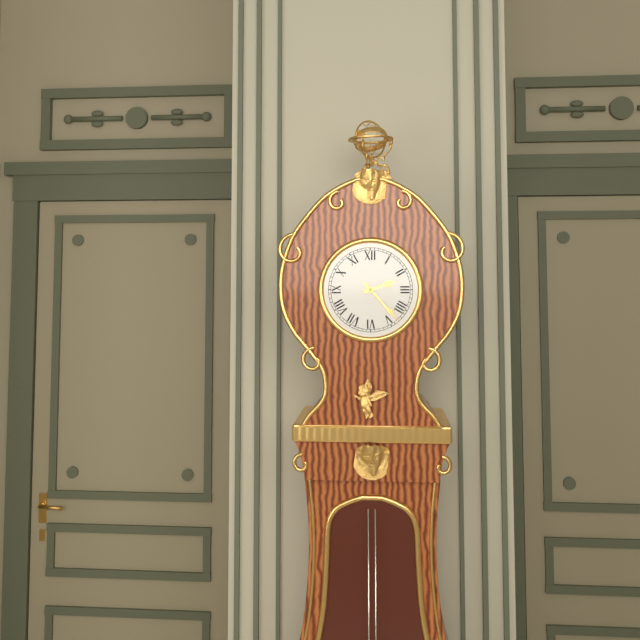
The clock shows h=2 m=23
